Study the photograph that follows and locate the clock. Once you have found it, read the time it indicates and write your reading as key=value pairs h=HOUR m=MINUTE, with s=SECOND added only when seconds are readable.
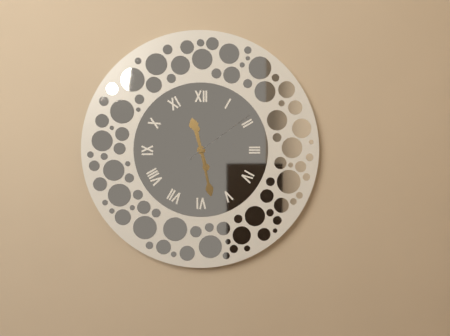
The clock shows h=11 m=28 s=9
